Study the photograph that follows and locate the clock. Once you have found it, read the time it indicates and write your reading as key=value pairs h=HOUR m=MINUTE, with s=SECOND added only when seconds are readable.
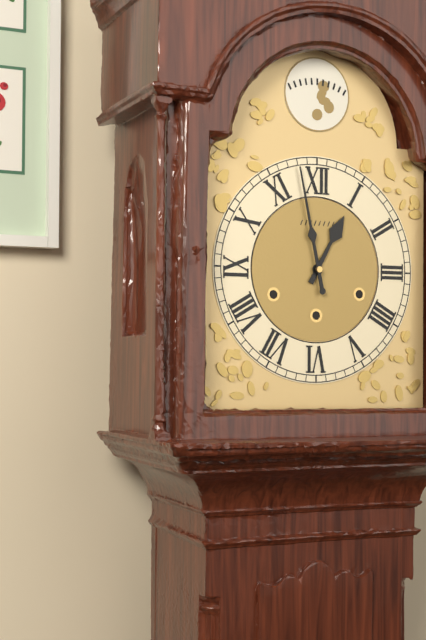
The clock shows h=12 m=58
